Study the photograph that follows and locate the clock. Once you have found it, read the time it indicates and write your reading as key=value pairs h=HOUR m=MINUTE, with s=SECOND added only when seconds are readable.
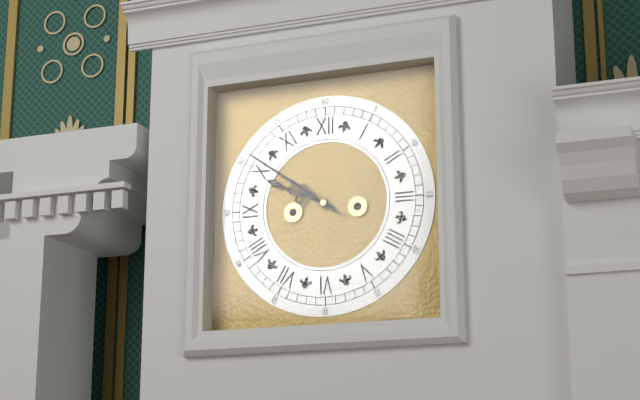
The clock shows h=9 m=51
